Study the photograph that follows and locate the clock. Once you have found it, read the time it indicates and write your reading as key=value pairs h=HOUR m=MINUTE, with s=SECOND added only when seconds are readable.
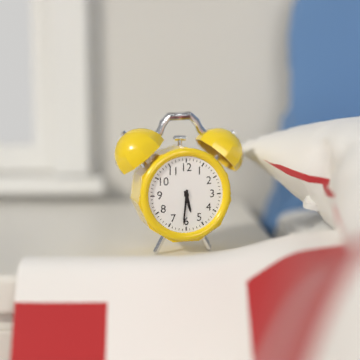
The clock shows h=5 m=31
